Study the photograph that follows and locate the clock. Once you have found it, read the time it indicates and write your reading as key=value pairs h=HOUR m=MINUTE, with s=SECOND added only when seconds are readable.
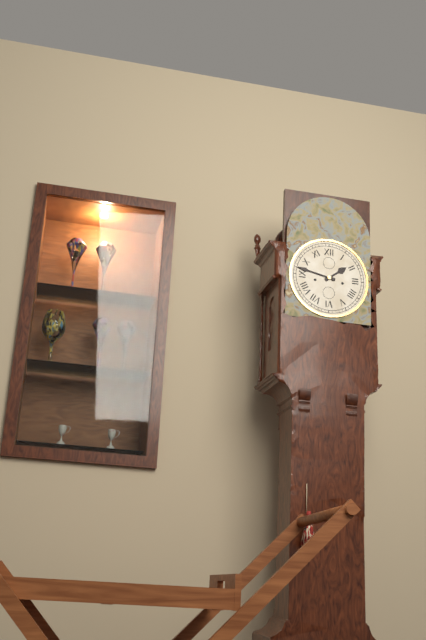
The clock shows h=1 m=47
